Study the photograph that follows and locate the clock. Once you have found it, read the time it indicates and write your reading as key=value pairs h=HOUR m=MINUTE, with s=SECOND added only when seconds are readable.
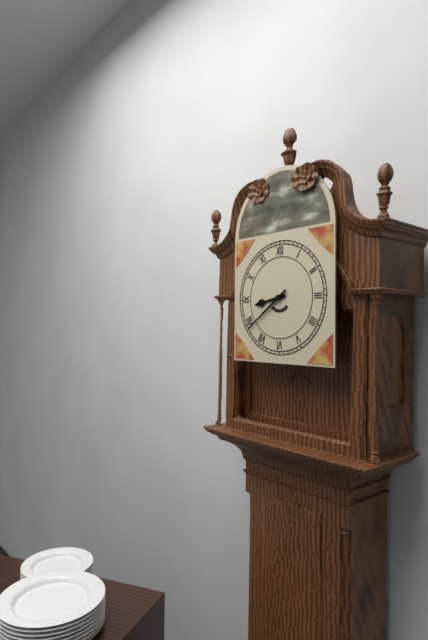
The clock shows h=8 m=39
